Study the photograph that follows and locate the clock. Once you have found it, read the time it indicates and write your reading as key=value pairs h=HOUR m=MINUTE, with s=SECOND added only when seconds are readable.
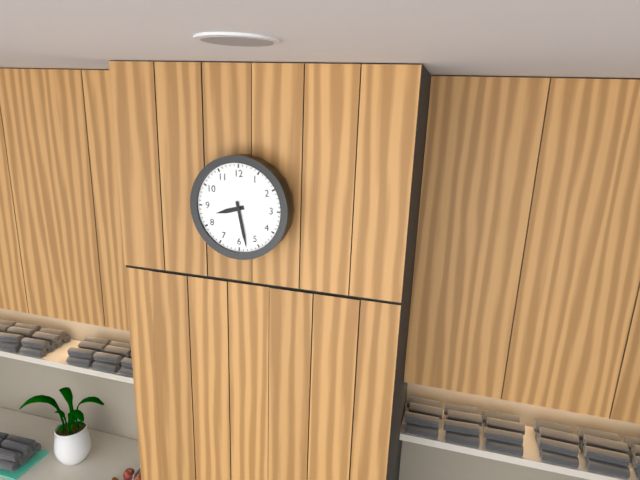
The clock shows h=8 m=28
